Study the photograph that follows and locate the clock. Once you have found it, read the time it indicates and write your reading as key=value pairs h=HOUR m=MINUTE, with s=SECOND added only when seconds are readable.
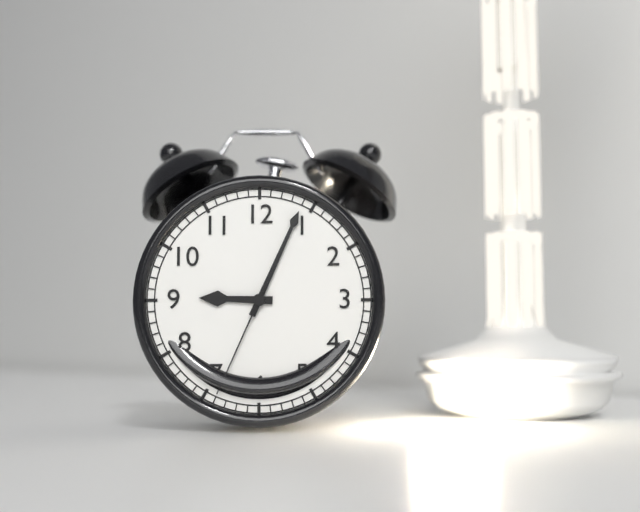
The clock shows h=9 m=4 s=34
